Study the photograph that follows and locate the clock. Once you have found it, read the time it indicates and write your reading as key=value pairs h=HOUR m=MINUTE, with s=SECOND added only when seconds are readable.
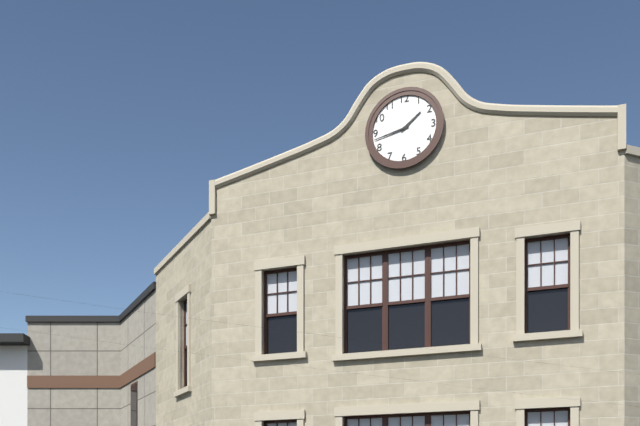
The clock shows h=1 m=43
